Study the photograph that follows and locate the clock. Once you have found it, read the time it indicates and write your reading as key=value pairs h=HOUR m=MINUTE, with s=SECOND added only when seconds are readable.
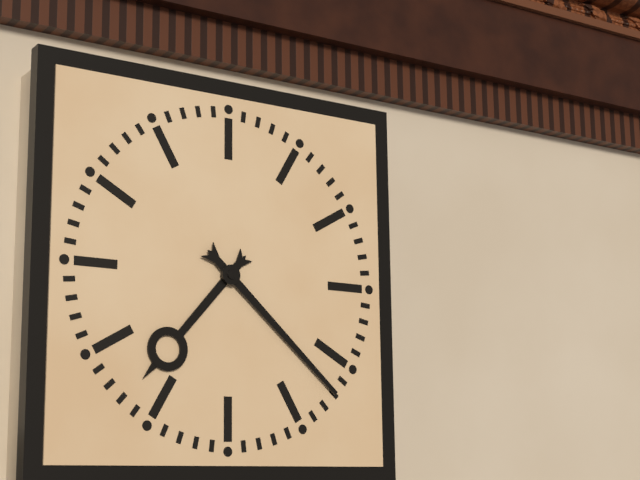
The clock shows h=7 m=22
